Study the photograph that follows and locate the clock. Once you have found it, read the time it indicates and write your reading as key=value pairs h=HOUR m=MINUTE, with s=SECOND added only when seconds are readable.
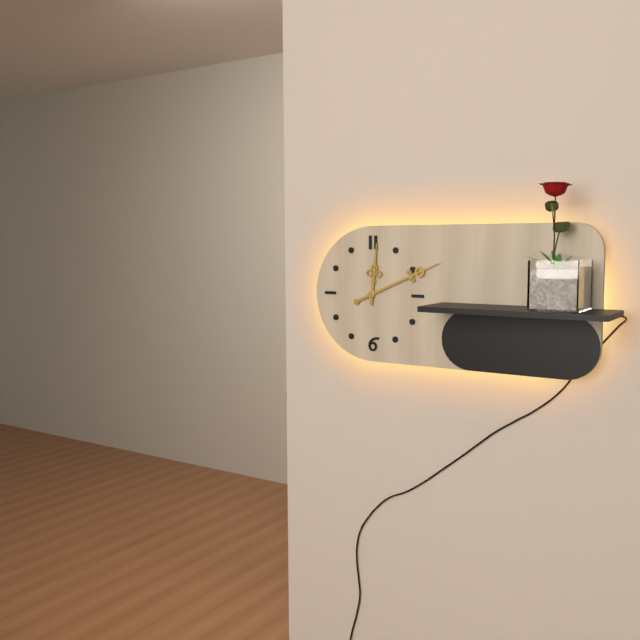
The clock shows h=12 m=11
